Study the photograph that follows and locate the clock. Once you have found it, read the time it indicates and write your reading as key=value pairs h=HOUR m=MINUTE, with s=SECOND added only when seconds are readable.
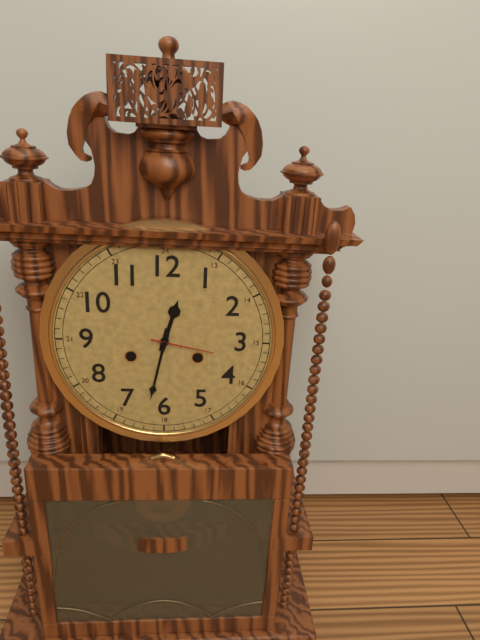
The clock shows h=12 m=32 s=17
